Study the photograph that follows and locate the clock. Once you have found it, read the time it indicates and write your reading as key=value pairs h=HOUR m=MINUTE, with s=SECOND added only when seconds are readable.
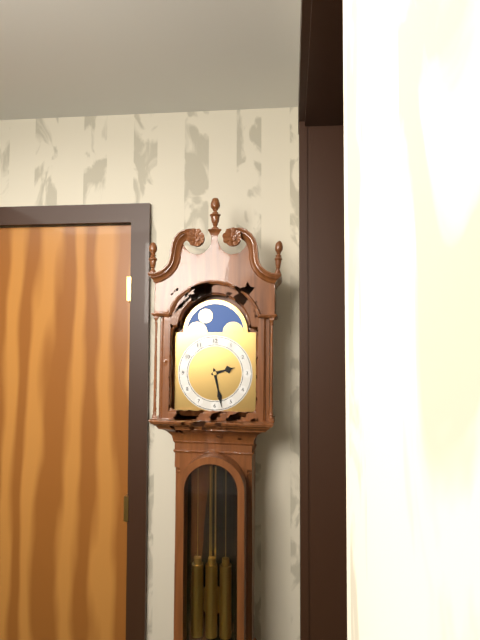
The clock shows h=2 m=28
